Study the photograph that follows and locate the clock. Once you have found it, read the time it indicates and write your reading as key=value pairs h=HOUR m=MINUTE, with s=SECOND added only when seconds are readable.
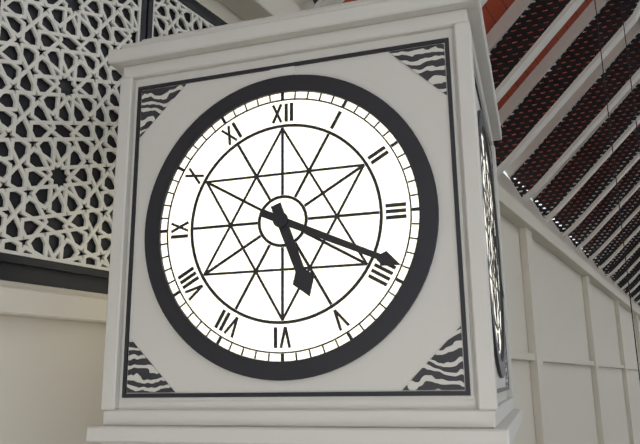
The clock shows h=5 m=19
